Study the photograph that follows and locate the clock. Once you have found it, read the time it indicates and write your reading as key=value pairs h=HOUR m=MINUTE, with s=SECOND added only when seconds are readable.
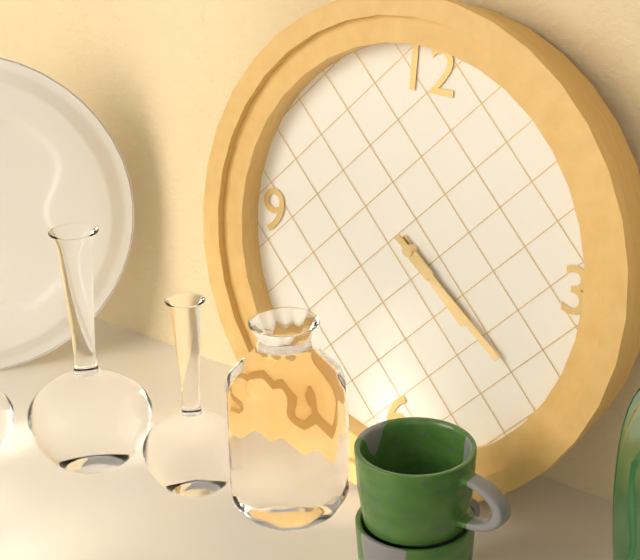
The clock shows h=4 m=21
